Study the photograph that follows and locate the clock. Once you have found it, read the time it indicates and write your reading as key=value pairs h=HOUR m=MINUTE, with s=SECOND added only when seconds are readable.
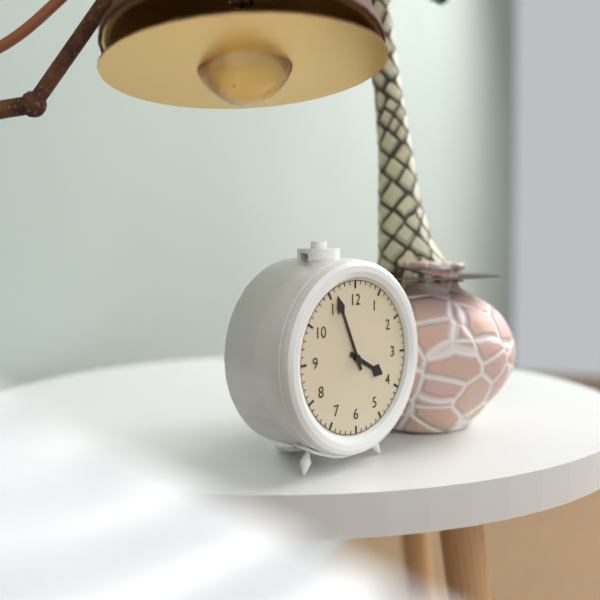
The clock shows h=3 m=56
